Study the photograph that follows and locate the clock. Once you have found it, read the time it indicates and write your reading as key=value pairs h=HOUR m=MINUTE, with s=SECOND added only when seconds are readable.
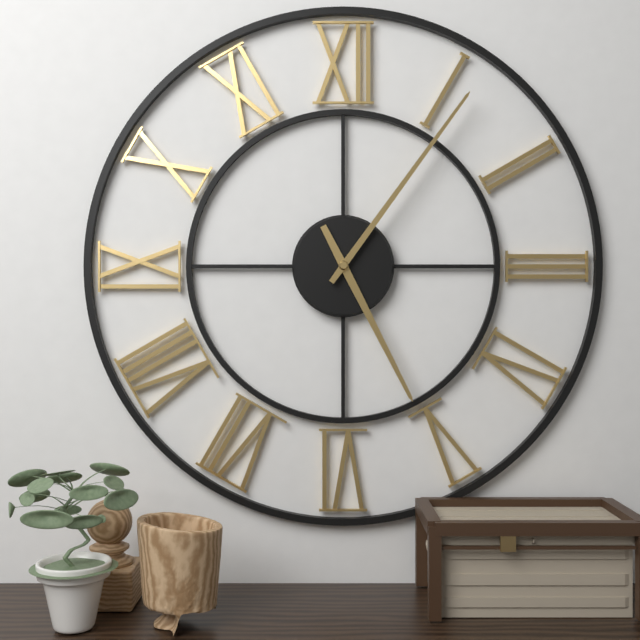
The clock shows h=5 m=6
